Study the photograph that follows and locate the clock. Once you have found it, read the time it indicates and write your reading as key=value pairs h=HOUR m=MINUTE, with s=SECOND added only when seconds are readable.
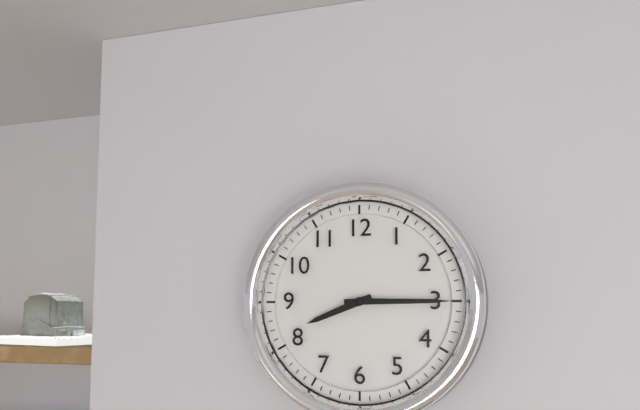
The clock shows h=8 m=15
